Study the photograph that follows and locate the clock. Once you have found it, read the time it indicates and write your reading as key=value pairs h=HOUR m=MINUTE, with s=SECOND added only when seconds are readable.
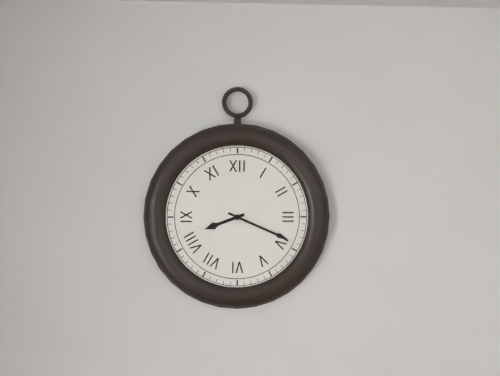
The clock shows h=8 m=19
